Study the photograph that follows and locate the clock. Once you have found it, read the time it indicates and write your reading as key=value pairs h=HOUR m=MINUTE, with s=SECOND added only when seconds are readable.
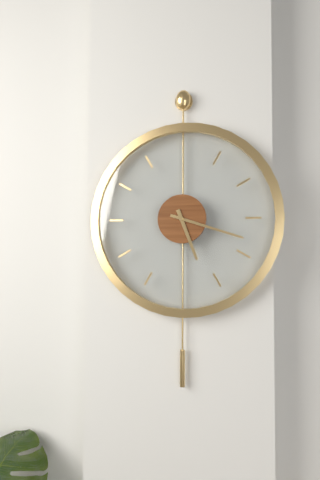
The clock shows h=5 m=18
